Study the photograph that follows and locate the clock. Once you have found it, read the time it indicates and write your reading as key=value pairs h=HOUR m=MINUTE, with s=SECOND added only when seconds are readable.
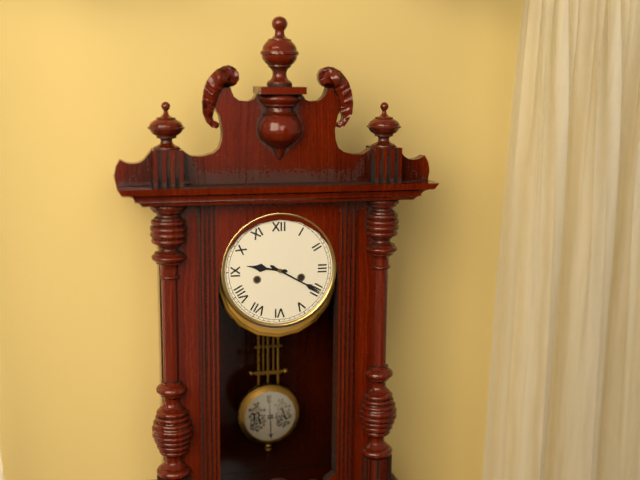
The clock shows h=9 m=20
